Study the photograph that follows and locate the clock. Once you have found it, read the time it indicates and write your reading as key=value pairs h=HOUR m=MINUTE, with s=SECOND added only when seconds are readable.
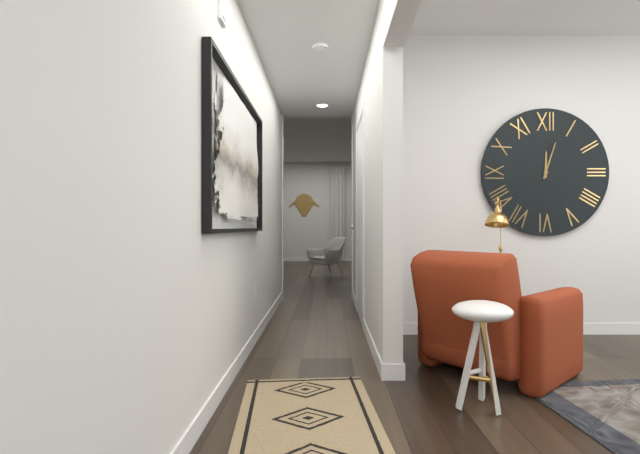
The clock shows h=12 m=3
